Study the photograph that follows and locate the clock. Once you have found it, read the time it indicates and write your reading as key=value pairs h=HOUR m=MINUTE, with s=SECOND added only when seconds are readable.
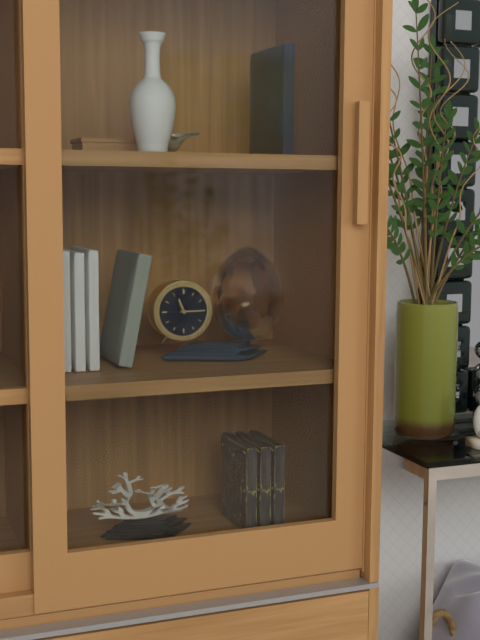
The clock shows h=11 m=15
